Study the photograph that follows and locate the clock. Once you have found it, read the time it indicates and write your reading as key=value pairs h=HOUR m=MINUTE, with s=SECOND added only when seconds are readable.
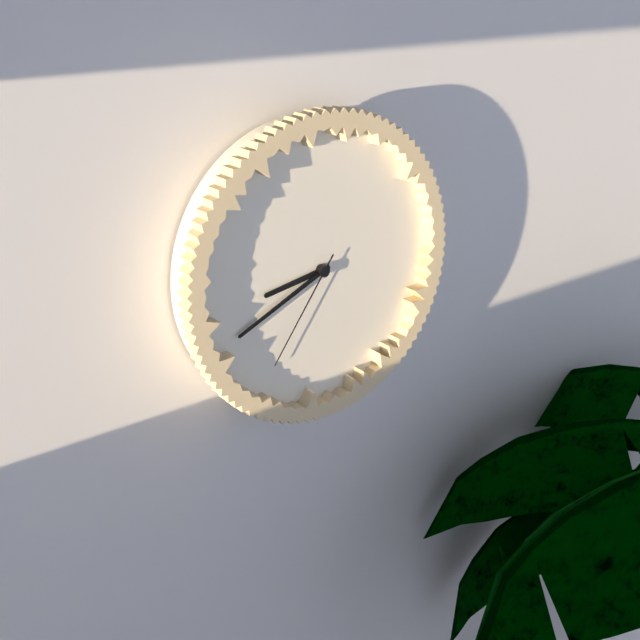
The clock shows h=8 m=41 s=36
